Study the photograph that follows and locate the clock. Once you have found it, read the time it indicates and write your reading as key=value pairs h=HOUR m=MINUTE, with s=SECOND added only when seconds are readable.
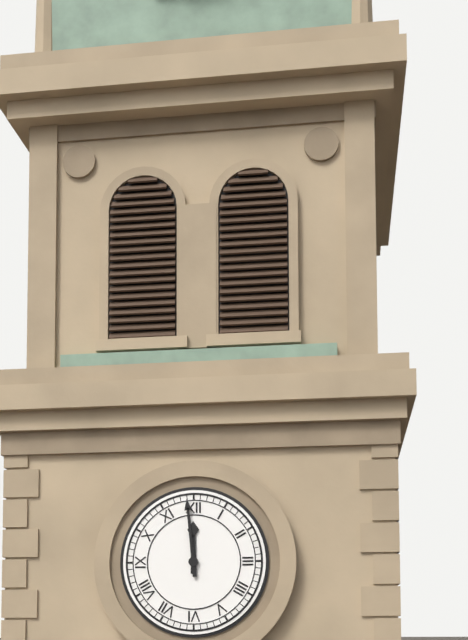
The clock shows h=11 m=59
